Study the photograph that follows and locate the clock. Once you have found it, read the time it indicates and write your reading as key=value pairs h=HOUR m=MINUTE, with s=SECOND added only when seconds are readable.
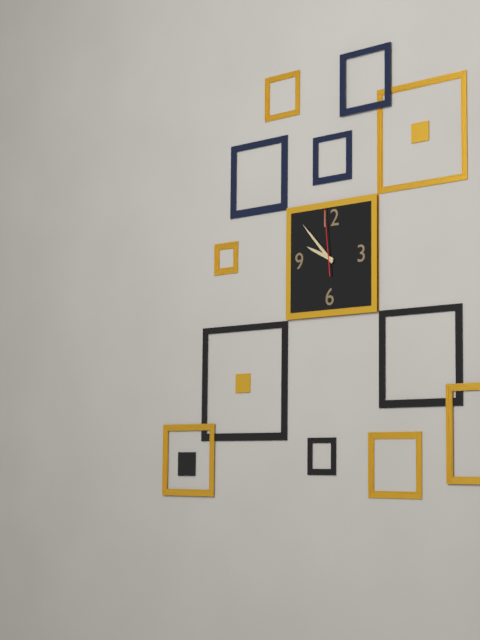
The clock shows h=9 m=53 s=59
